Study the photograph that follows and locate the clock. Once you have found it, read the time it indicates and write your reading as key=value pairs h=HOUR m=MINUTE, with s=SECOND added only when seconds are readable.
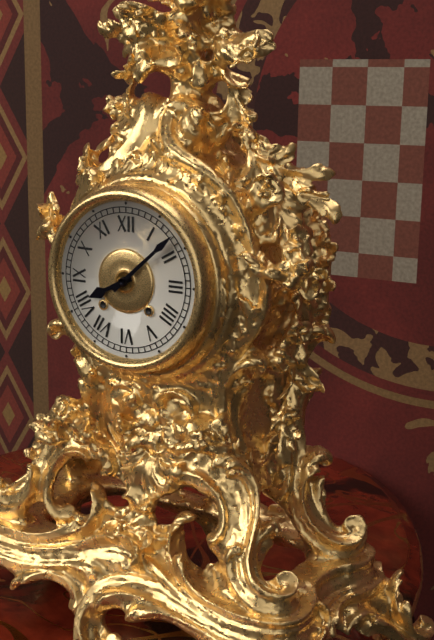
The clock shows h=8 m=8
